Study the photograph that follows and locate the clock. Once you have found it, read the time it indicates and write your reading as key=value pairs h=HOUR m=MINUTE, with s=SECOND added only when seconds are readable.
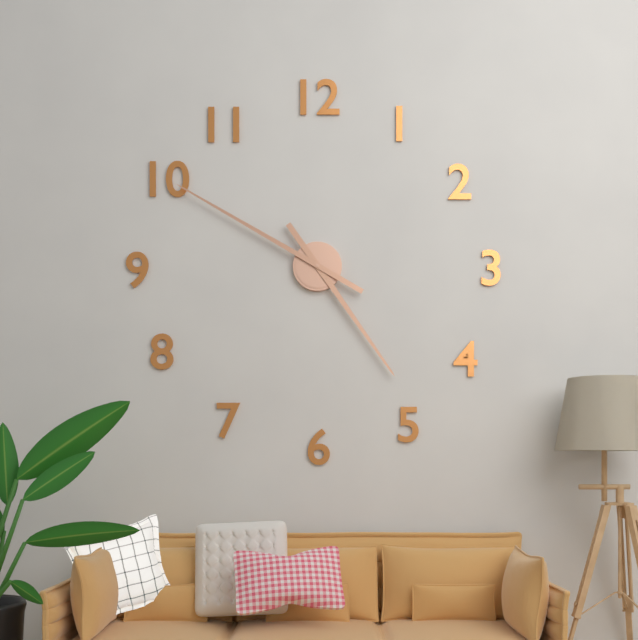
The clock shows h=4 m=50
